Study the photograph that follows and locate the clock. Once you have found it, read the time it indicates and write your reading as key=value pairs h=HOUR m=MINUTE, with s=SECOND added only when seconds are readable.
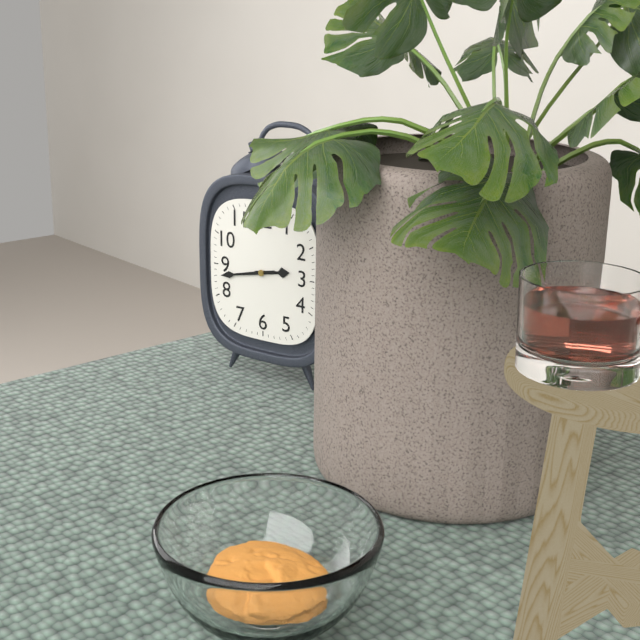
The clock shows h=2 m=43
